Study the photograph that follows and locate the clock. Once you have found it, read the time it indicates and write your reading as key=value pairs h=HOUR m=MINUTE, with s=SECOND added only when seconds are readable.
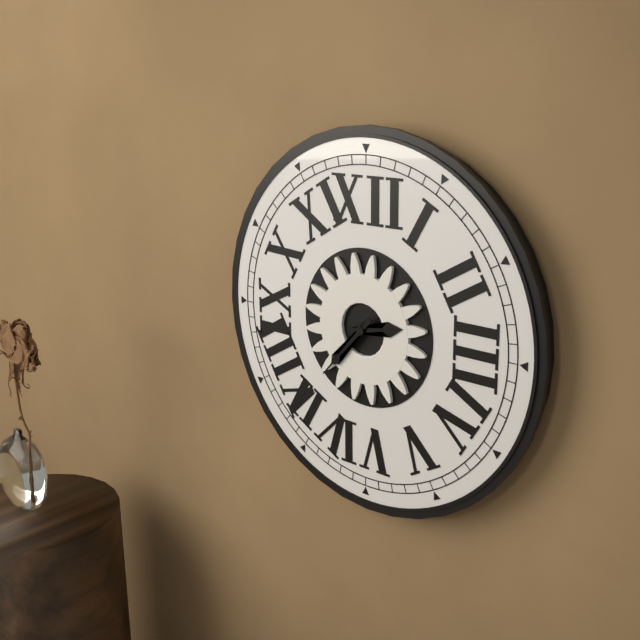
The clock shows h=2 m=37
